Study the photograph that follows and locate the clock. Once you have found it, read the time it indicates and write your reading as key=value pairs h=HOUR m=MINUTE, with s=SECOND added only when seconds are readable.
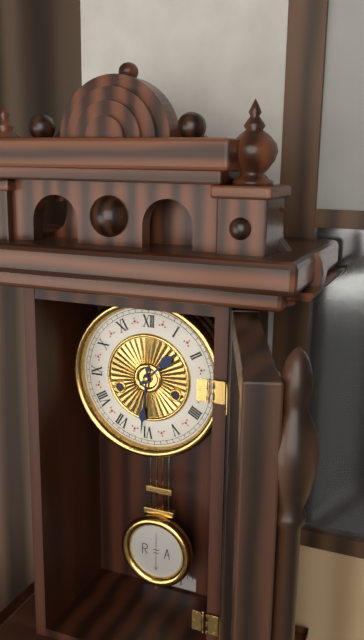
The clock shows h=1 m=31
